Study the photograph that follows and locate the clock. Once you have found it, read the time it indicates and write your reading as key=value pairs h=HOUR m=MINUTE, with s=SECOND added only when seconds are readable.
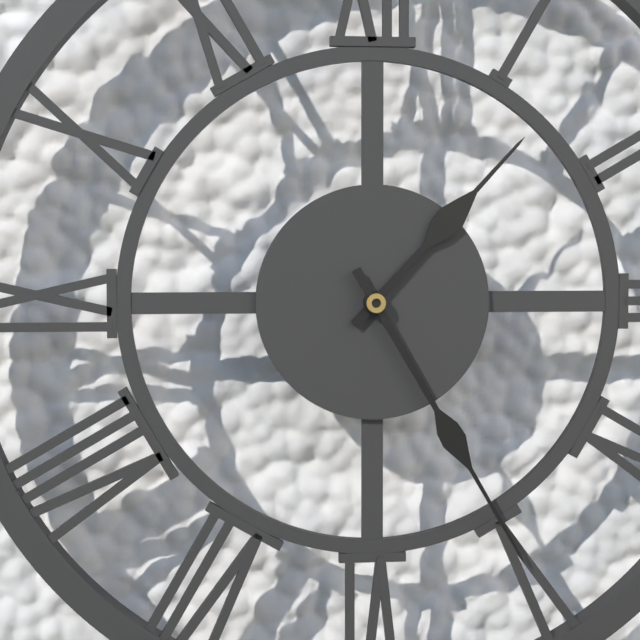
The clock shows h=1 m=25
